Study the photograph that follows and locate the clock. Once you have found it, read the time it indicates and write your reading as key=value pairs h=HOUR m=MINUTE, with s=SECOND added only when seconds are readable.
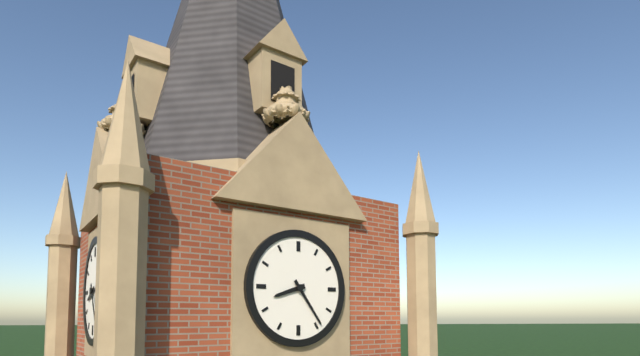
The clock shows h=8 m=24
